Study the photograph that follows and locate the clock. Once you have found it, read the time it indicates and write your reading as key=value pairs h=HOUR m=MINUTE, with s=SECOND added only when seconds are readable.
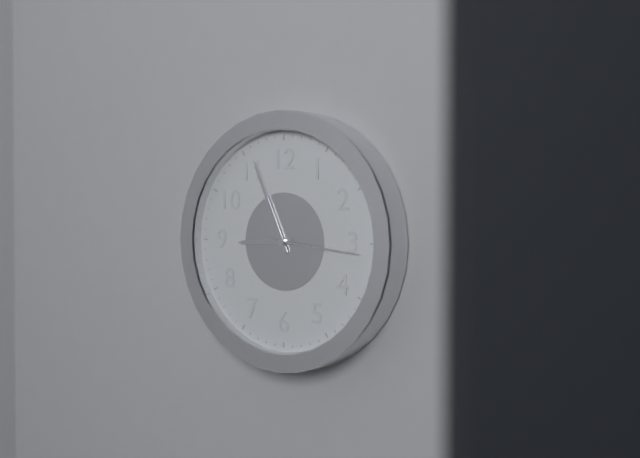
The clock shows h=8 m=56 s=16
